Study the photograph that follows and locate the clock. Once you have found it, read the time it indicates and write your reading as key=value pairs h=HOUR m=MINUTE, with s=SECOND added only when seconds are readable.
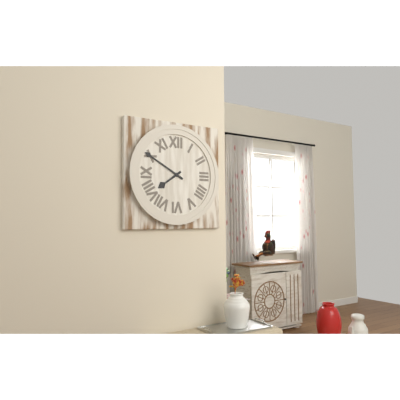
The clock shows h=7 m=50
